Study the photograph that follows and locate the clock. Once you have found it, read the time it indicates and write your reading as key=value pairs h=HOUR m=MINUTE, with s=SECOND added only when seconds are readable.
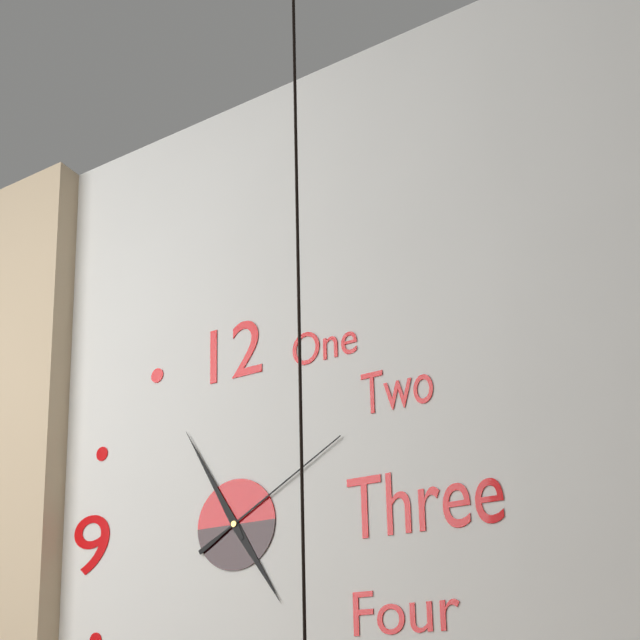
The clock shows h=4 m=55 s=10
